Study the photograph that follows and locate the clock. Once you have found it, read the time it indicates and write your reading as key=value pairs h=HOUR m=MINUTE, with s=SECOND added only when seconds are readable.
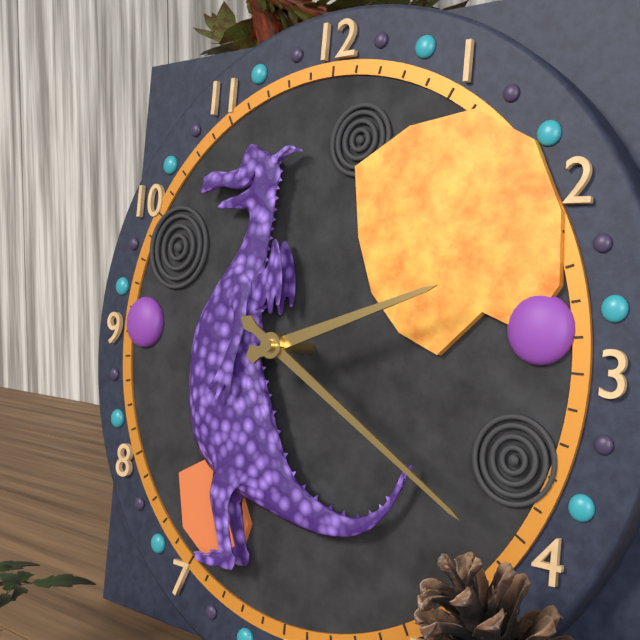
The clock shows h=2 m=20
